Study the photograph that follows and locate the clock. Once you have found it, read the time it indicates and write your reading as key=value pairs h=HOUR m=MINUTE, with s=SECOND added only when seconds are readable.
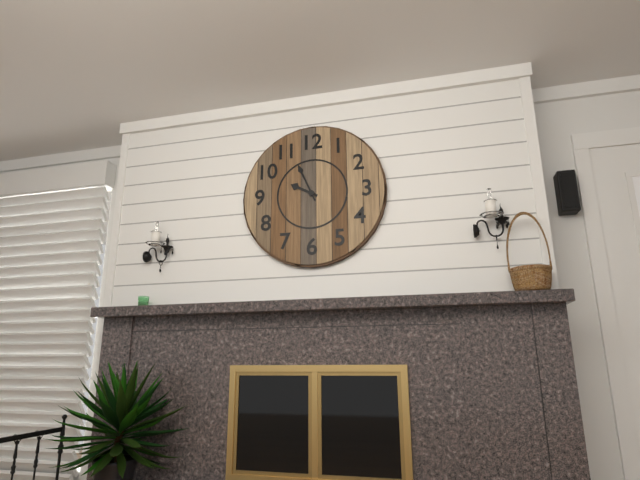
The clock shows h=9 m=56
